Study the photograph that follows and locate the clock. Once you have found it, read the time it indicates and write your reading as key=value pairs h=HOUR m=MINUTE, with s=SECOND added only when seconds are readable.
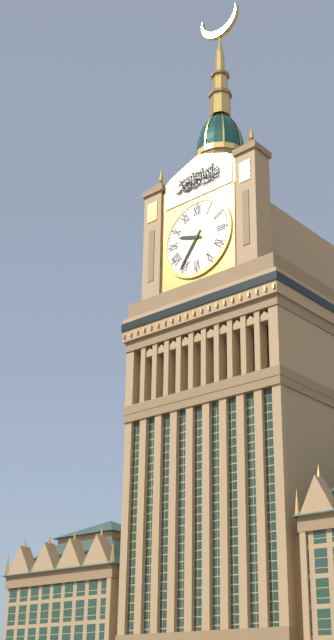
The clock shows h=9 m=36
